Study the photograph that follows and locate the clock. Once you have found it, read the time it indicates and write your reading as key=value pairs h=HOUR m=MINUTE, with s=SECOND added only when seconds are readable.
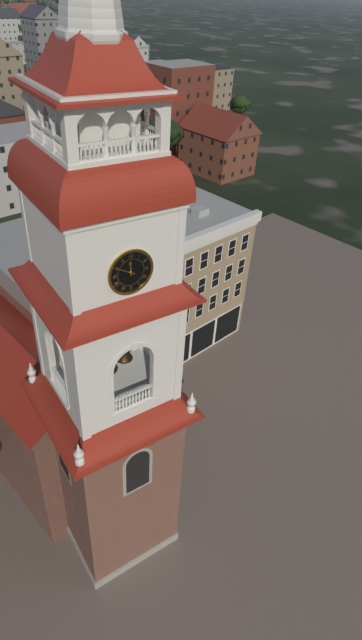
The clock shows h=11 m=50
